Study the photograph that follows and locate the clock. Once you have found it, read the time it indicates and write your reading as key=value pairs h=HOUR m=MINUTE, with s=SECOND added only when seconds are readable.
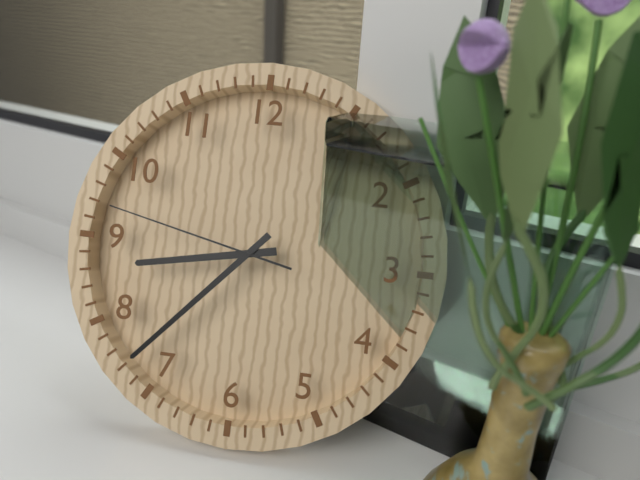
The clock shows h=8 m=37 s=47
